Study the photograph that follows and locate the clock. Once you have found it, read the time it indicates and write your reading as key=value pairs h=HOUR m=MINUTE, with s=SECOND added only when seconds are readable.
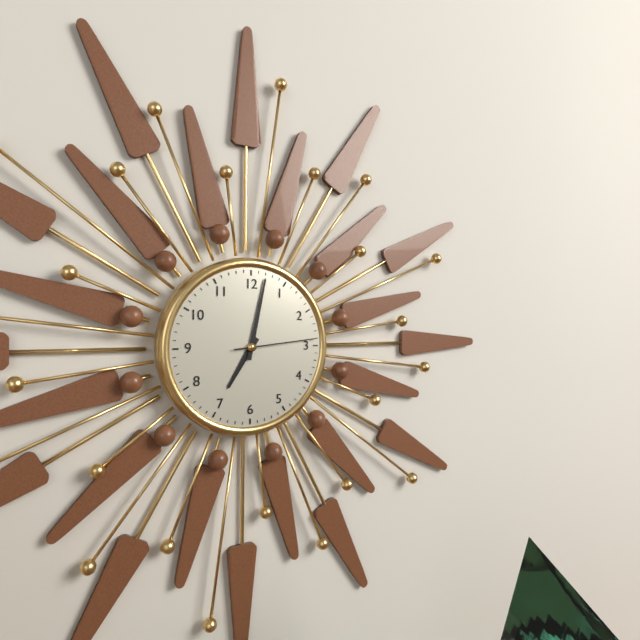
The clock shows h=7 m=2 s=14
